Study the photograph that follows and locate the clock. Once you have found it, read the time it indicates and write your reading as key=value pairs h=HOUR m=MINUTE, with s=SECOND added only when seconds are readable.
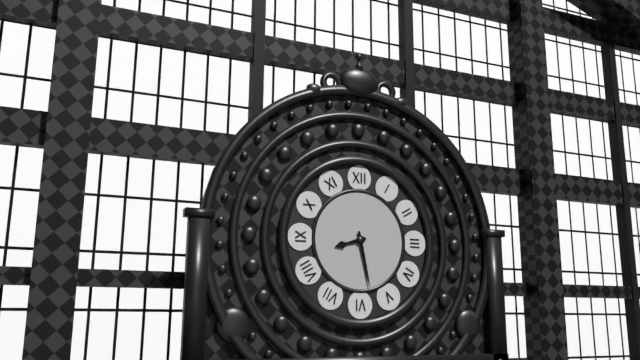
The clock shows h=8 m=28
